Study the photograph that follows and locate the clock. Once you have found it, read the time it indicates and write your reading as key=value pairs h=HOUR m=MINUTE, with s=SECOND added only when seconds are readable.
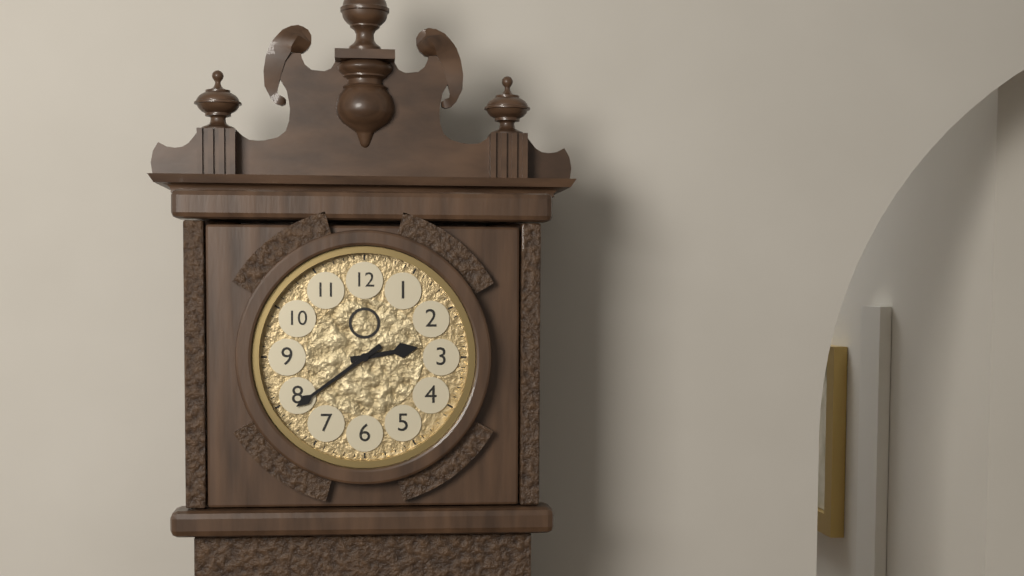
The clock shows h=2 m=39
